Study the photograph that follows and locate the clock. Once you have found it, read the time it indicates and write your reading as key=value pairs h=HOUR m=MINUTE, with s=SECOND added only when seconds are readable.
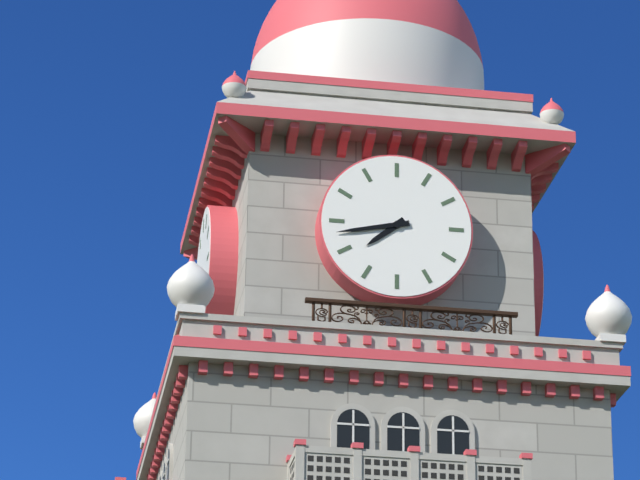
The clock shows h=7 m=43
